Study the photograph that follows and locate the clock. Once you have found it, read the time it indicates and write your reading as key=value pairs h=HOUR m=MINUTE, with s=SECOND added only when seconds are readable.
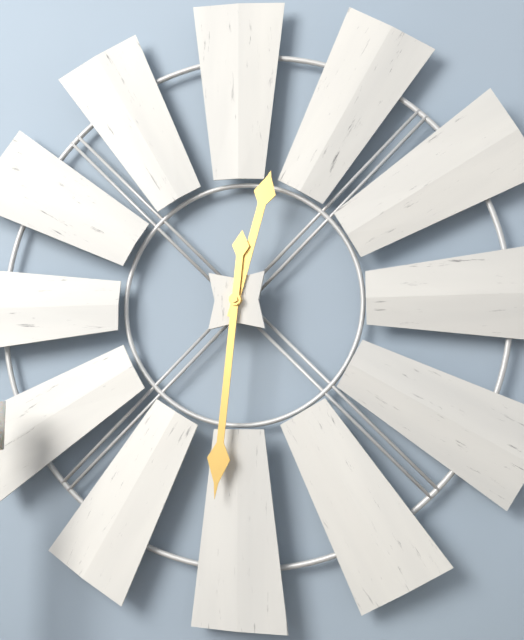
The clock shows h=12 m=31
